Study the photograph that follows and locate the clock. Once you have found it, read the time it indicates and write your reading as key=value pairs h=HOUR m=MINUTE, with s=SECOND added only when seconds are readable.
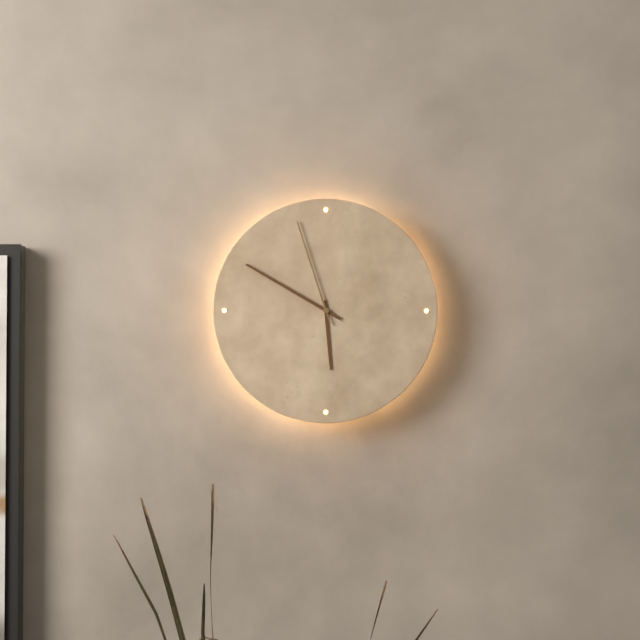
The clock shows h=5 m=50 s=57
